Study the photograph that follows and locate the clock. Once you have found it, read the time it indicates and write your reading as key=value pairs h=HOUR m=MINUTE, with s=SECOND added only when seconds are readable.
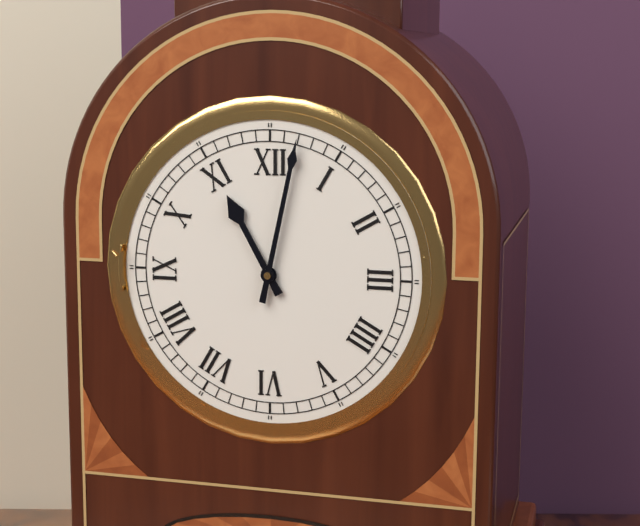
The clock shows h=11 m=2
